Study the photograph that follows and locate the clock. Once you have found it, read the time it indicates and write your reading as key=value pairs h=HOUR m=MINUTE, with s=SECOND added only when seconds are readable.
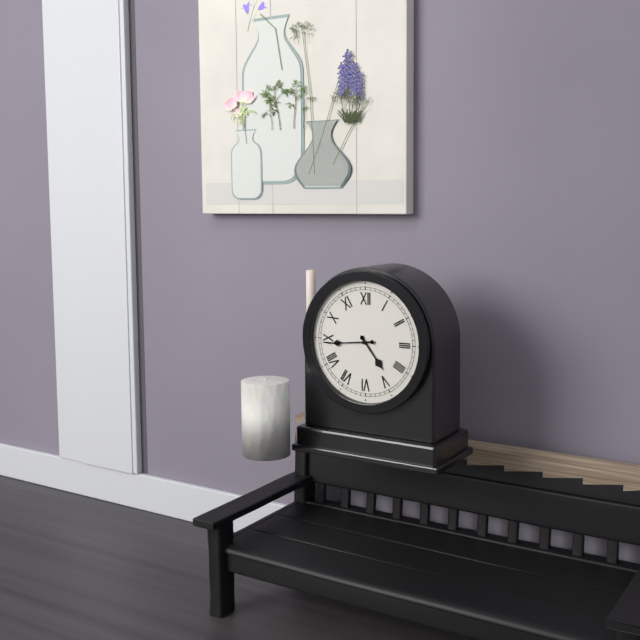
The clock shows h=4 m=44
